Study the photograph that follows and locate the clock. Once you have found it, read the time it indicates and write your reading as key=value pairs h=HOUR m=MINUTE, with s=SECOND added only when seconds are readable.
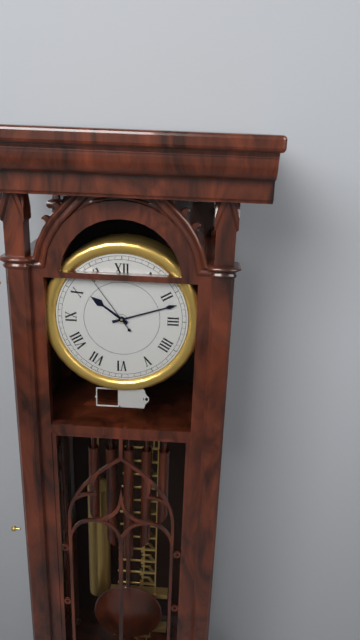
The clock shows h=10 m=12 s=54
